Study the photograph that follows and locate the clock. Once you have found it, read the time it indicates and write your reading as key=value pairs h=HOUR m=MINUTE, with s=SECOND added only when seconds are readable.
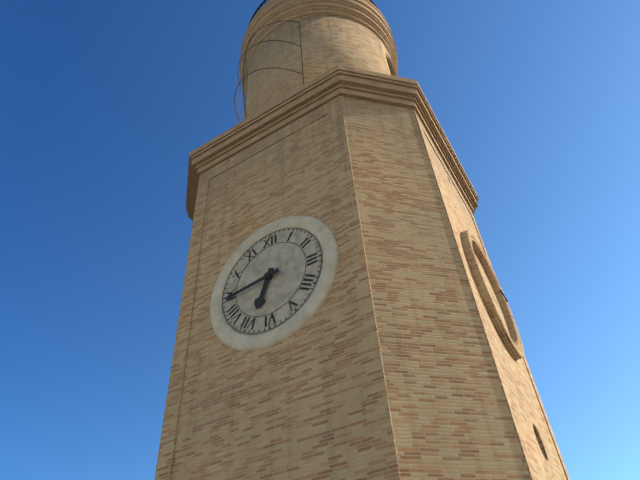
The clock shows h=6 m=44
